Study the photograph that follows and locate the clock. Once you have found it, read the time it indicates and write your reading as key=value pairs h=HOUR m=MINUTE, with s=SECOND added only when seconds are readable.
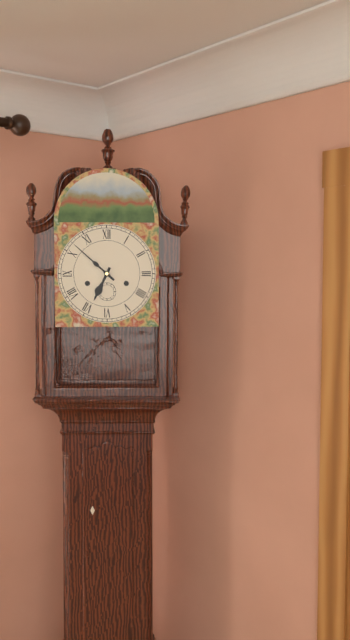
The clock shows h=6 m=52
